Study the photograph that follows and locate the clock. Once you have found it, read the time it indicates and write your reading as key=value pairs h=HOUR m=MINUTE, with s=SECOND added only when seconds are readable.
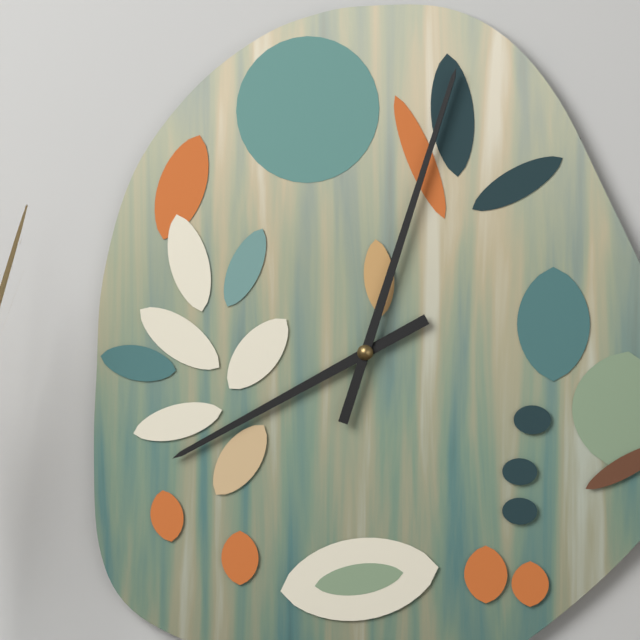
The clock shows h=8 m=3
